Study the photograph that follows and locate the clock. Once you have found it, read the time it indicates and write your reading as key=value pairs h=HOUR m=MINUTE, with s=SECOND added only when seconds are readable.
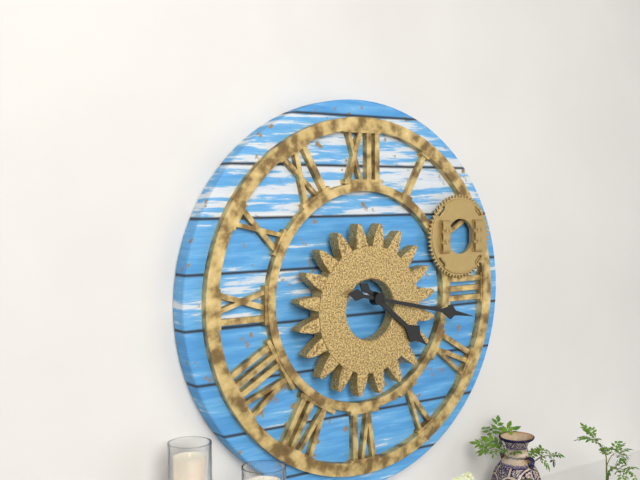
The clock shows h=4 m=17
